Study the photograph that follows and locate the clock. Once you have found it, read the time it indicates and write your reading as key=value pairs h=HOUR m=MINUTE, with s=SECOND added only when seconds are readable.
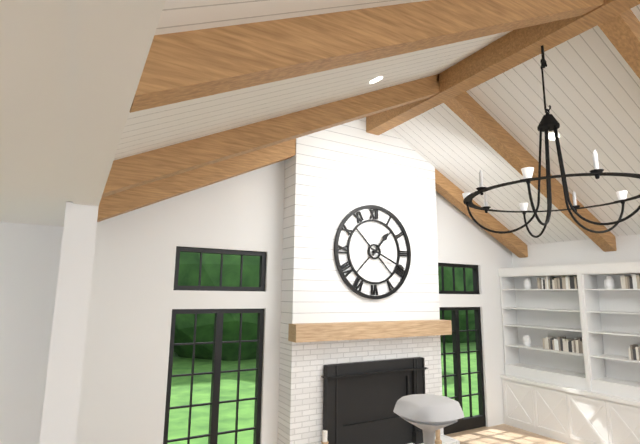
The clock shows h=1 m=19
